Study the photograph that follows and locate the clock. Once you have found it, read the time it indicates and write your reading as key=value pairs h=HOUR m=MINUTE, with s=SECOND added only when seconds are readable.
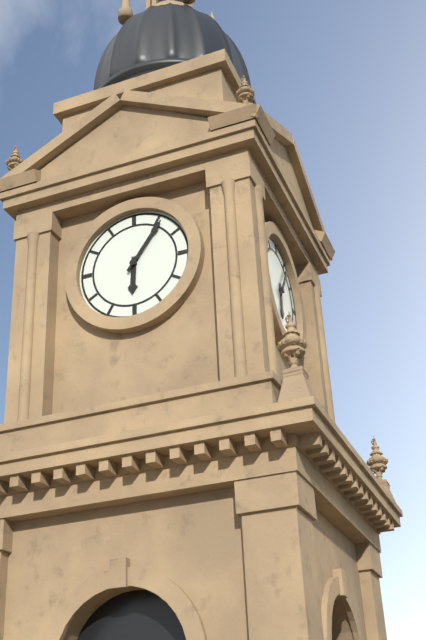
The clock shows h=6 m=6
